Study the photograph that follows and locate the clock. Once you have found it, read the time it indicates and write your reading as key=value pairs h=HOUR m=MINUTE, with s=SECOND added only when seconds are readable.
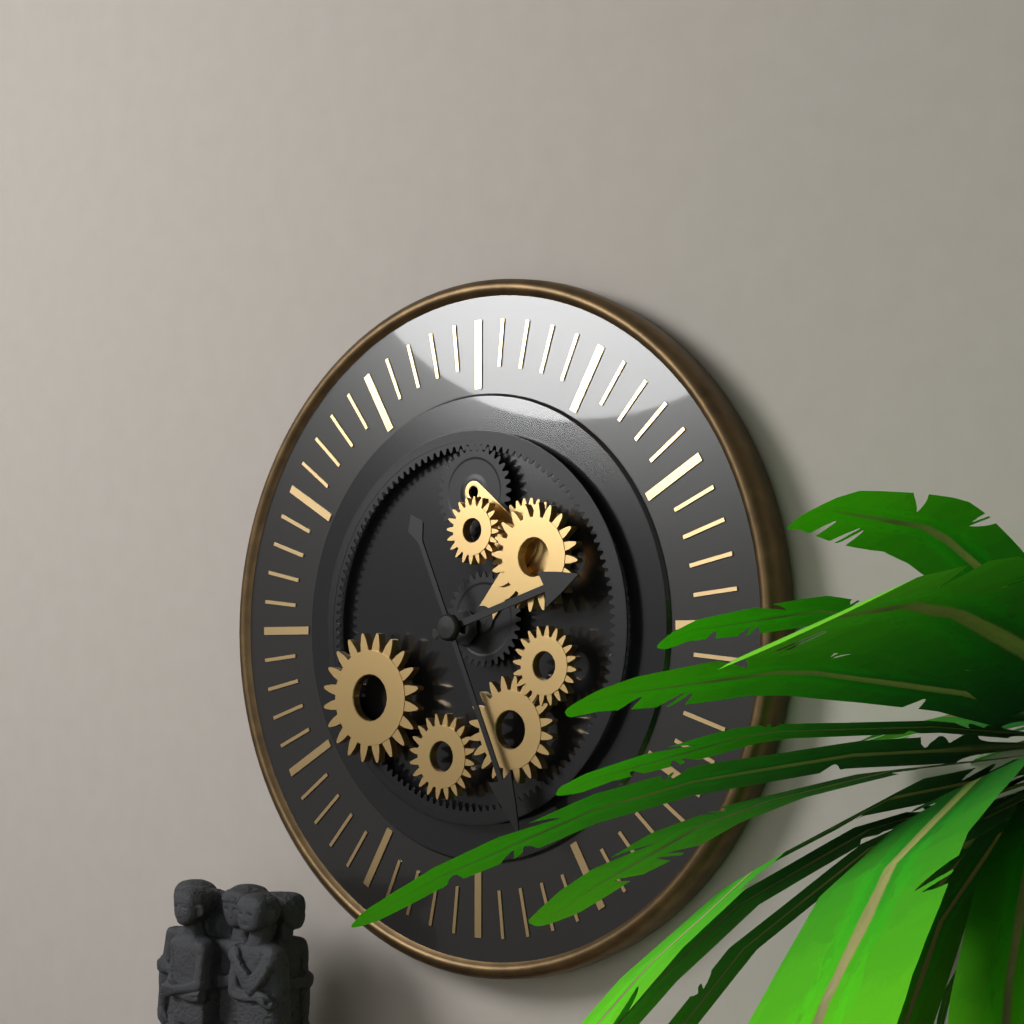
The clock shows h=2 m=26
